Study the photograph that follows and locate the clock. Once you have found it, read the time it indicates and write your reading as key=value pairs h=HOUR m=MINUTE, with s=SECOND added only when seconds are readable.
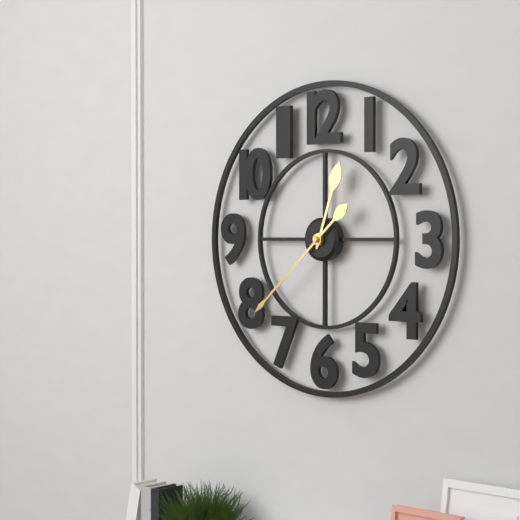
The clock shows h=12 m=38
